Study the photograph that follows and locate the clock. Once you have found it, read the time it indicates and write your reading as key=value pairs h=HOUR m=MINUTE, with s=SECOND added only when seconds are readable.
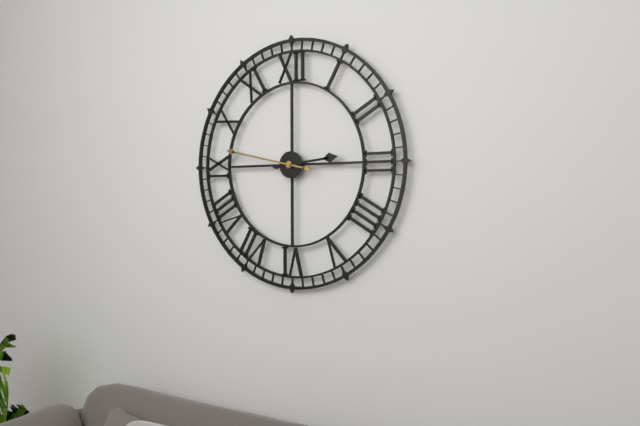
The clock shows h=2 m=47
